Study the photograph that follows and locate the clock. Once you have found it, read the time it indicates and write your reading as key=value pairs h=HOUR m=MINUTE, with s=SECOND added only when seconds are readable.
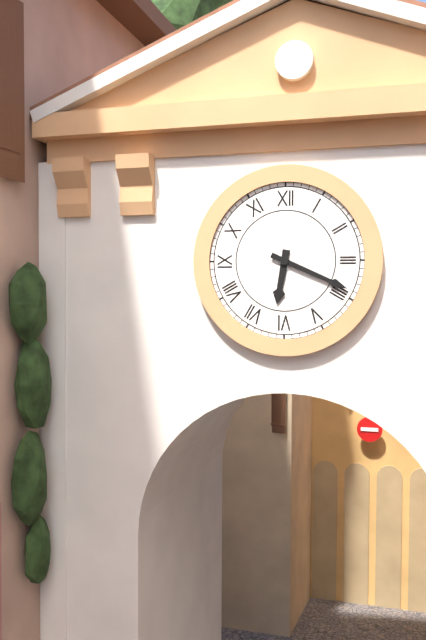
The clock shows h=6 m=19
